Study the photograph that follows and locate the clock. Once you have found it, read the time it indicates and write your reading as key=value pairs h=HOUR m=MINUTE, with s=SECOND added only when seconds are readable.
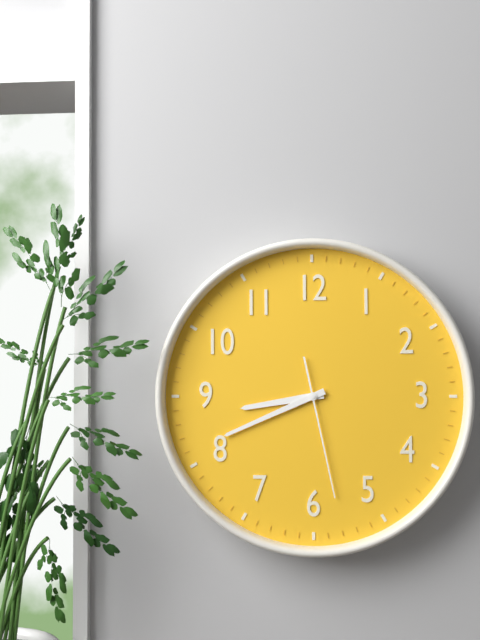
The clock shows h=8 m=41 s=28
